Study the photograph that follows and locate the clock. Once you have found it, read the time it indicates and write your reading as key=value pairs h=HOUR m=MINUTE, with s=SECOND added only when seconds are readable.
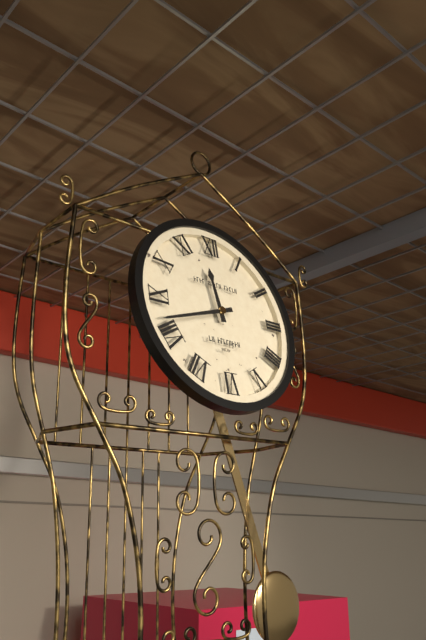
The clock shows h=11 m=42
